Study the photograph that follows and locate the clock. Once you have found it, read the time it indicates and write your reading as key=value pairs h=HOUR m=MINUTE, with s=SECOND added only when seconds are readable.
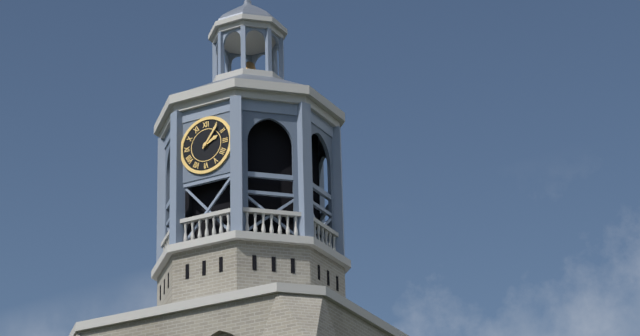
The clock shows h=2 m=6
